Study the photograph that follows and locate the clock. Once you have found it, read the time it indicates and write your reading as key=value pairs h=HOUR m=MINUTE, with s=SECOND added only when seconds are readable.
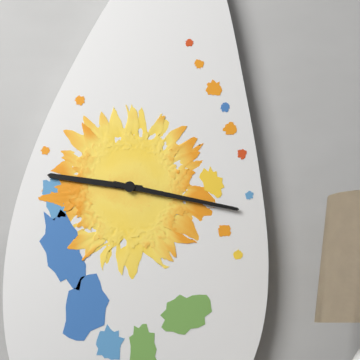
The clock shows h=9 m=17
